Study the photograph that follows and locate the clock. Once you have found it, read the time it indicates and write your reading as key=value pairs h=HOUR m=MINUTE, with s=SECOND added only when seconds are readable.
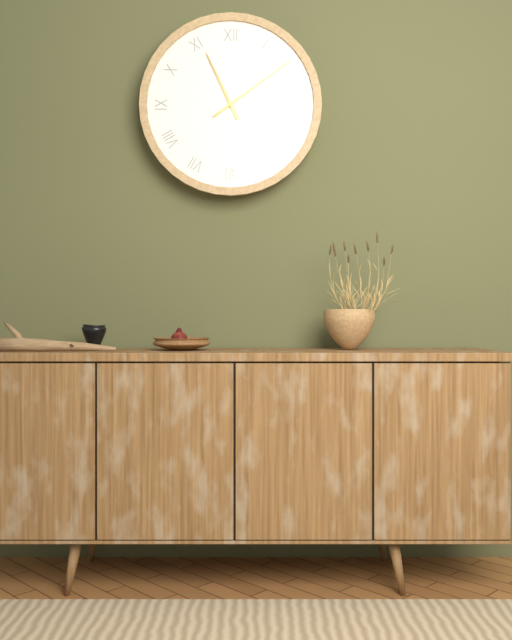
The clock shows h=11 m=9
